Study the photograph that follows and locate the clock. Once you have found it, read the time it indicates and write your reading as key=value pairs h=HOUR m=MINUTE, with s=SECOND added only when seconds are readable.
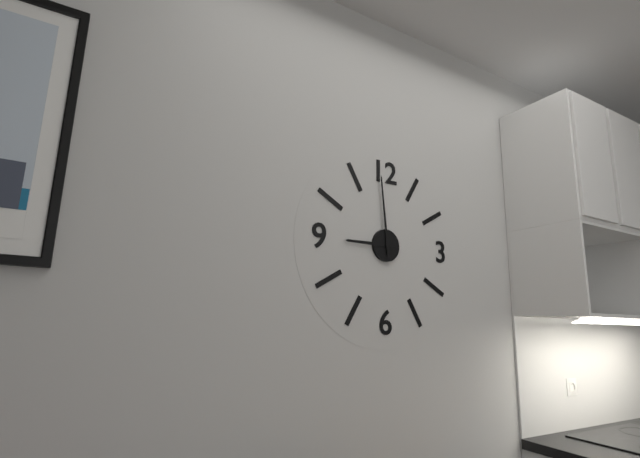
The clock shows h=8 m=59
